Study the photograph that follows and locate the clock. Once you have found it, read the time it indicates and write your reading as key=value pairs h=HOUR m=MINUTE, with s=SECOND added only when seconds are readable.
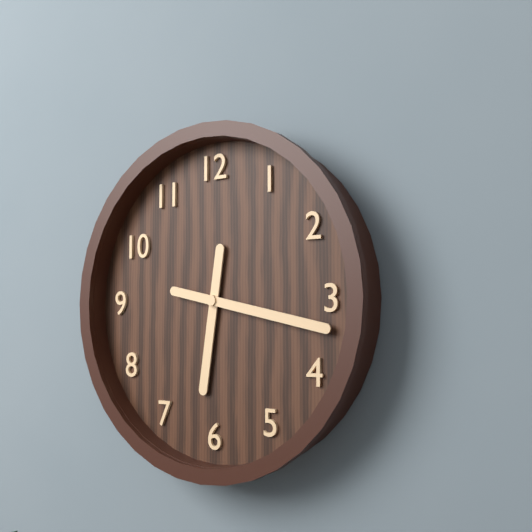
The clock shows h=6 m=17
